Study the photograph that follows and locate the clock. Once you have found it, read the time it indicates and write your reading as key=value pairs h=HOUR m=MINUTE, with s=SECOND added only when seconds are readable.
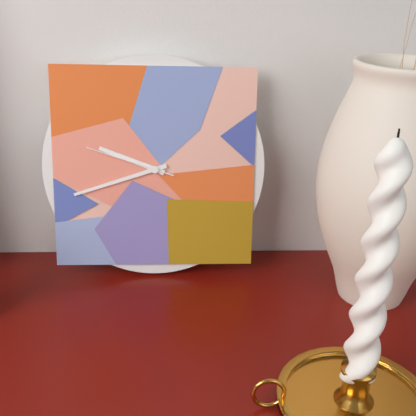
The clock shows h=9 m=42 s=48
